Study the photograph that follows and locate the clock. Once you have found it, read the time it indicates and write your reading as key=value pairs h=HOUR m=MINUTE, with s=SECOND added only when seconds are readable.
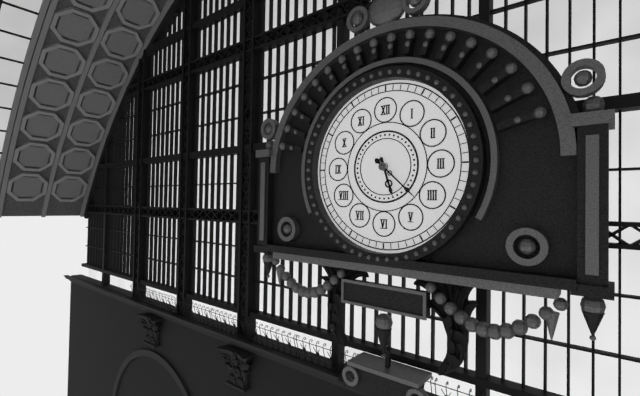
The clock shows h=5 m=22
